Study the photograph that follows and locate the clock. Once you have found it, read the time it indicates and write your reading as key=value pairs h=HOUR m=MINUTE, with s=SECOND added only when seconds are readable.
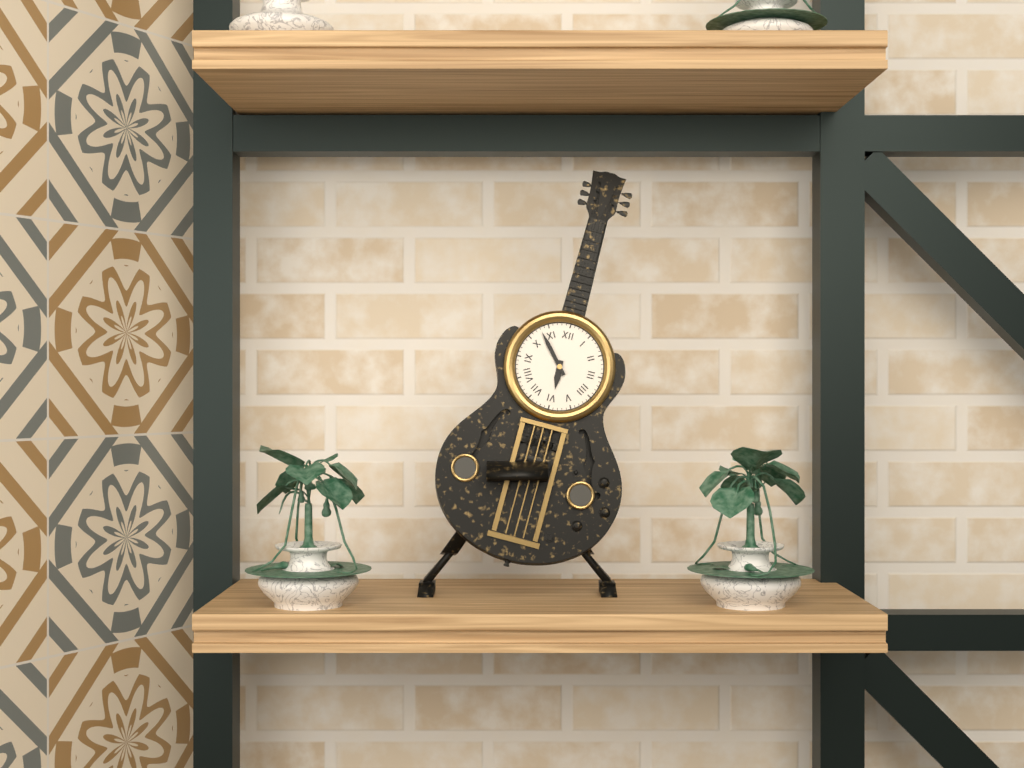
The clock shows h=5 m=53
